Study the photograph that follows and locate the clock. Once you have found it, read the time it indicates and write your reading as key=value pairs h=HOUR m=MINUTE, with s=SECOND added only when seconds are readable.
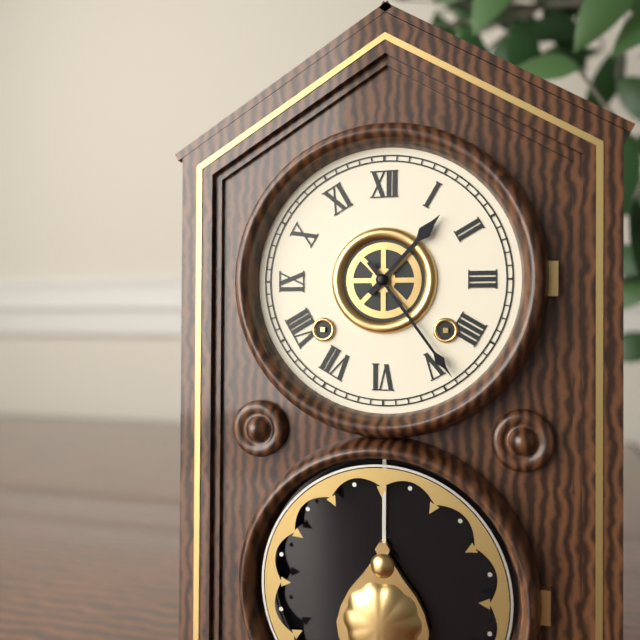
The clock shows h=1 m=24
